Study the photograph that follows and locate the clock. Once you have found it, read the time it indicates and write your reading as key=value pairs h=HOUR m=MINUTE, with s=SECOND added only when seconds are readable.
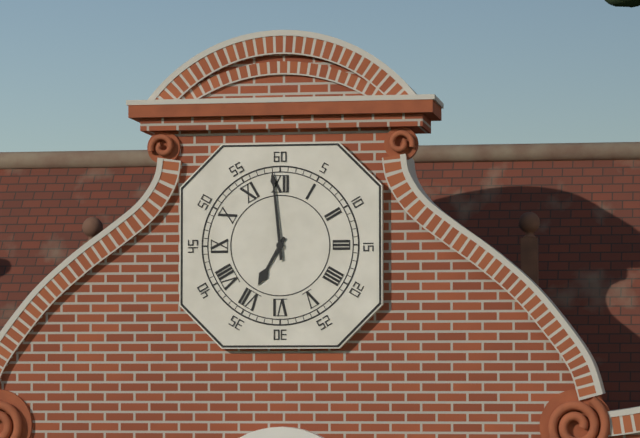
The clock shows h=6 m=59
